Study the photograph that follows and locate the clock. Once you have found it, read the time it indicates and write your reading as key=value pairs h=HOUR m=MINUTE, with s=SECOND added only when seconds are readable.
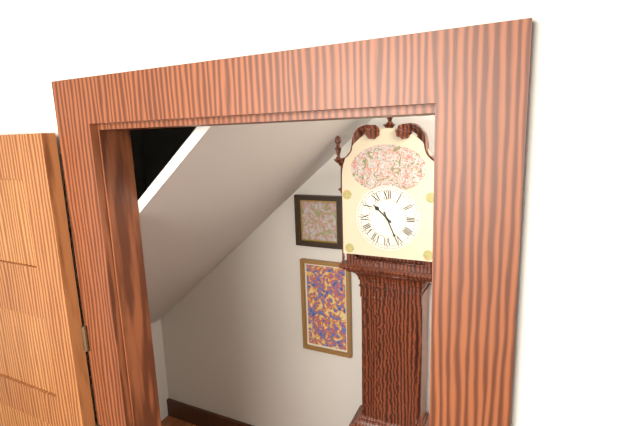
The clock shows h=10 m=26
